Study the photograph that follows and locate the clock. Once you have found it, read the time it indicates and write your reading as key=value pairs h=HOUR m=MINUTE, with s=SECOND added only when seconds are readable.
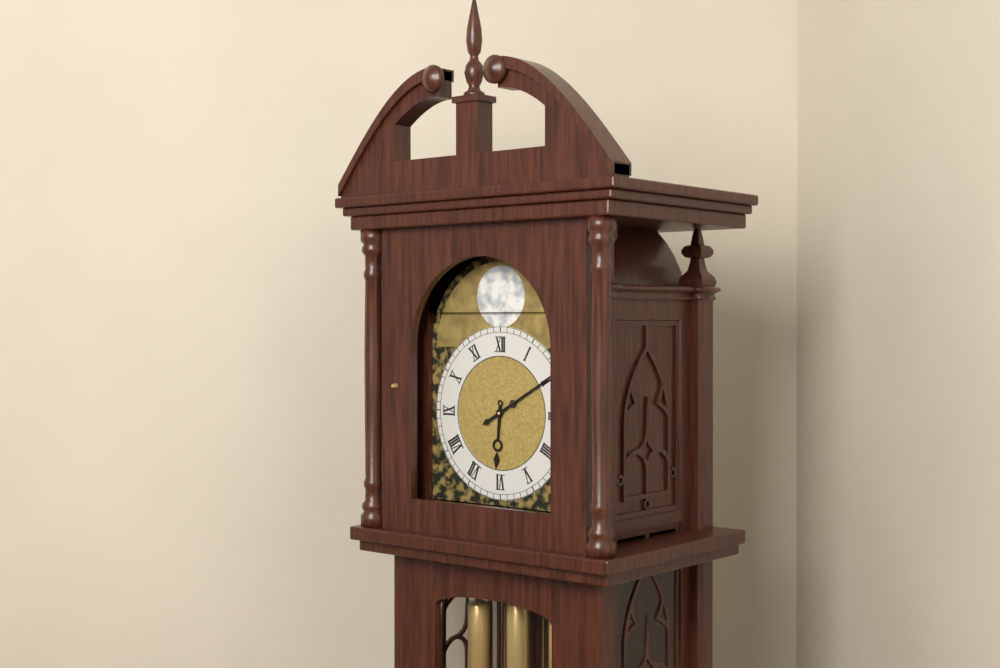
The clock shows h=6 m=10
